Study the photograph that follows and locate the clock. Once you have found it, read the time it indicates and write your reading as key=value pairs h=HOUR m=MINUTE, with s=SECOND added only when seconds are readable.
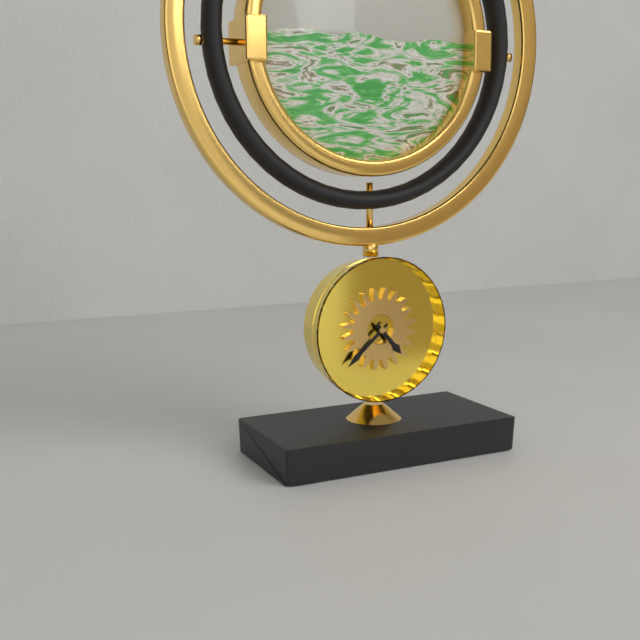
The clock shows h=4 m=38
